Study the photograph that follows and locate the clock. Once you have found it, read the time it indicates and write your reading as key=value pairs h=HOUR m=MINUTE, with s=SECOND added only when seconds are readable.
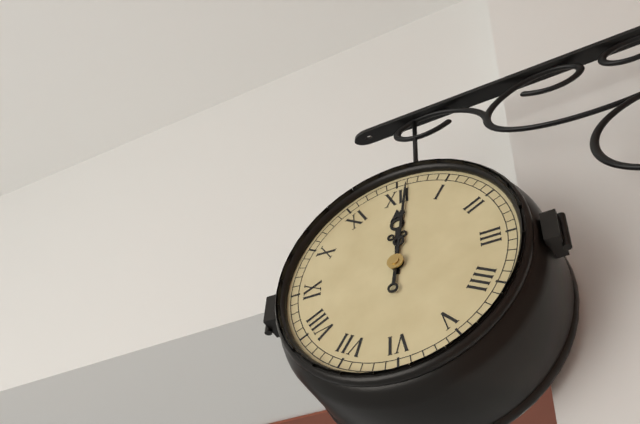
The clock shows h=12 m=1
